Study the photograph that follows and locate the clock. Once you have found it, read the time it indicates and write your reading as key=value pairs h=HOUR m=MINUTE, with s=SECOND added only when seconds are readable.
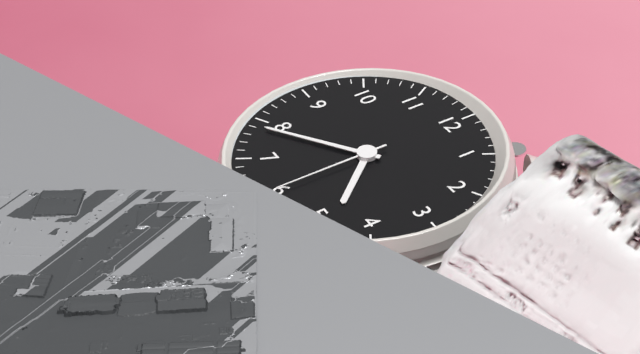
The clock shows h=4 m=39 s=30
